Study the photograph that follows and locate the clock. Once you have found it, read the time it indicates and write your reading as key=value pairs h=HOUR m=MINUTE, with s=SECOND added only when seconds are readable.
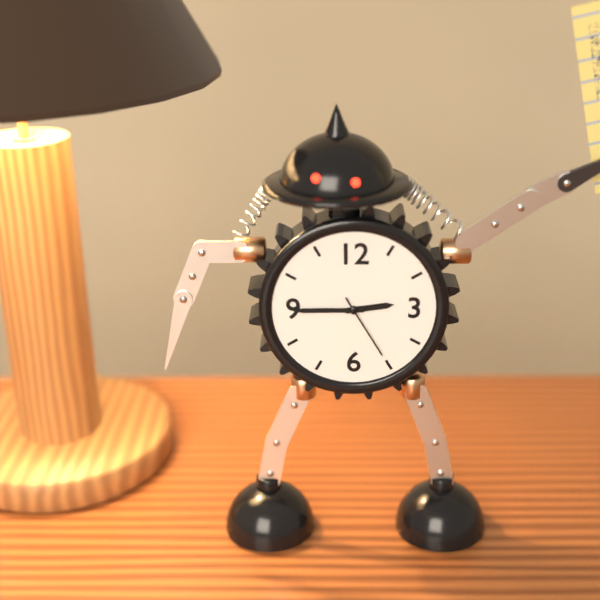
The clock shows h=2 m=45 s=25
